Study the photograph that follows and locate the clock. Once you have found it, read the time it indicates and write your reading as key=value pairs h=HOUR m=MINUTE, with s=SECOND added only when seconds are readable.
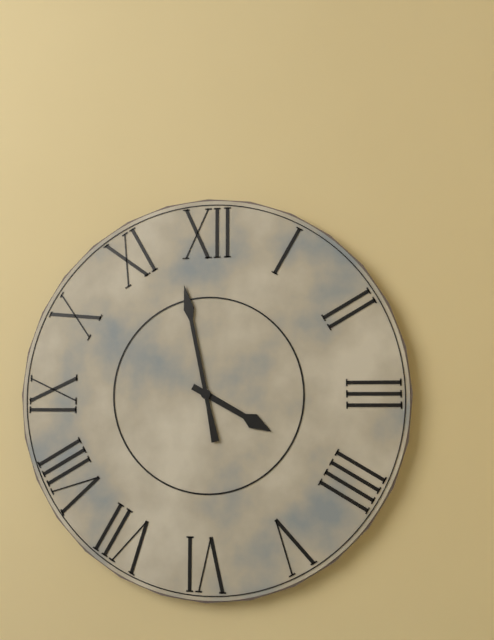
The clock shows h=3 m=58
